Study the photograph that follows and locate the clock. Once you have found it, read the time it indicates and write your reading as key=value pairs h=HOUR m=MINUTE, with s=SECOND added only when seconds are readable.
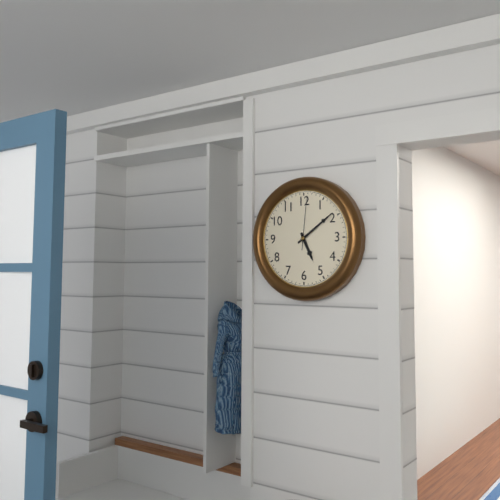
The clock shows h=5 m=9 s=1
